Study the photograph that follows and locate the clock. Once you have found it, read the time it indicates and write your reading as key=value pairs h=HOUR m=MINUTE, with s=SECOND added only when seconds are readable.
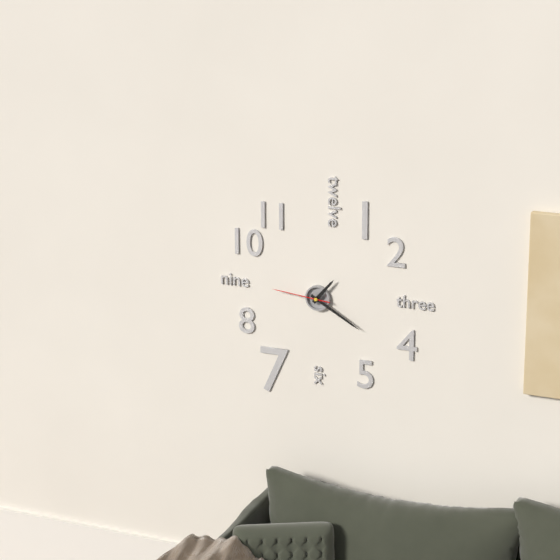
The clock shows h=1 m=20 s=46
